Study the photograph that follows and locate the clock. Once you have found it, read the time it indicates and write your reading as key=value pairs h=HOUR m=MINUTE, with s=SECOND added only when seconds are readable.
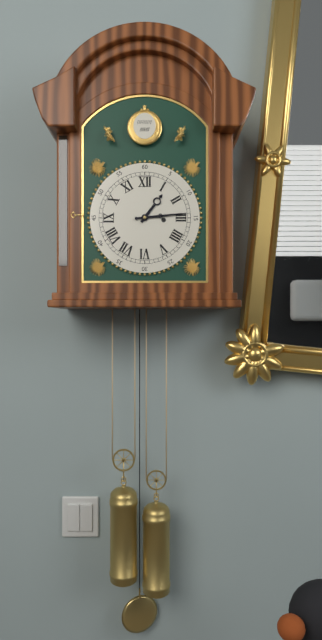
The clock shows h=1 m=14
